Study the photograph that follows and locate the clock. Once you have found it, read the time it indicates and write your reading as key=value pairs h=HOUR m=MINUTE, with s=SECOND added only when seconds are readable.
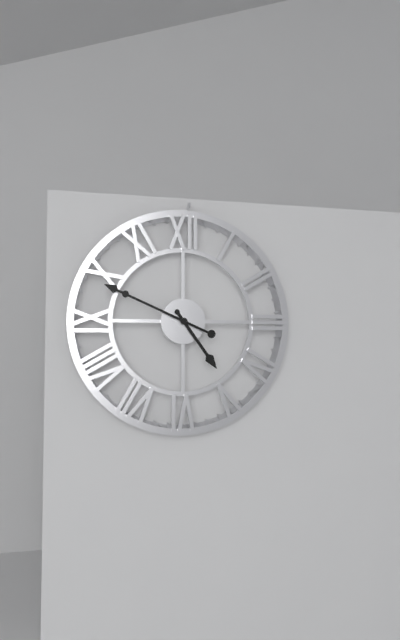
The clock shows h=4 m=49
